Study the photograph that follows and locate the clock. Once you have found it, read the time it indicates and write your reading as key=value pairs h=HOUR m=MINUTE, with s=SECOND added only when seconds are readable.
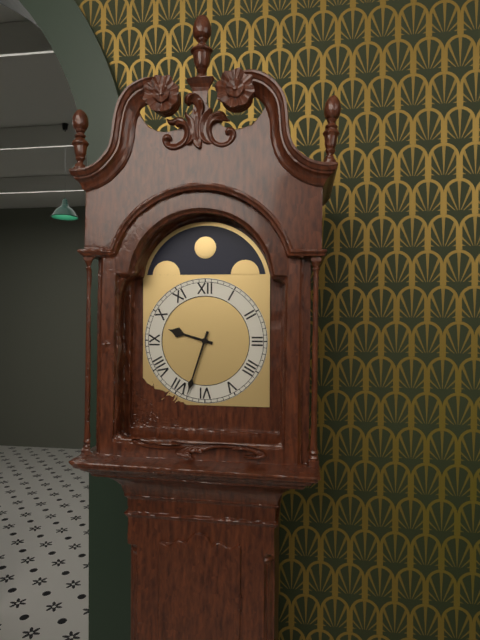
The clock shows h=9 m=33
